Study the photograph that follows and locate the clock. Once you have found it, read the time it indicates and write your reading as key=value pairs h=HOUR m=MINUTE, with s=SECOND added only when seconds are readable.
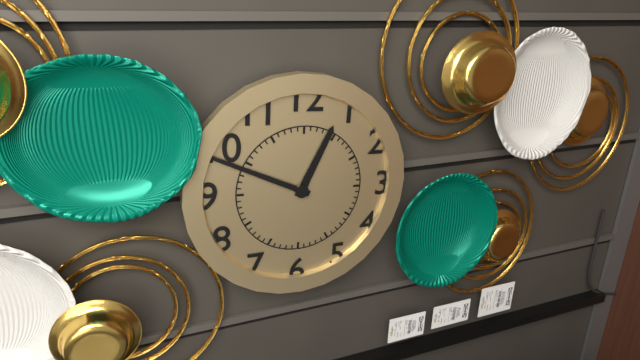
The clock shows h=12 m=49
